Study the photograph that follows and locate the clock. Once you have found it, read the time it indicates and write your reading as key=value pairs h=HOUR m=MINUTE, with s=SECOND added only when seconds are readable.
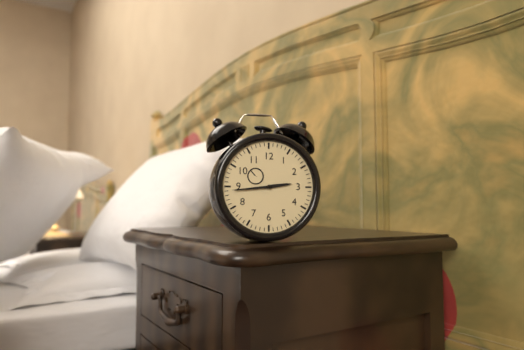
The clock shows h=2 m=44
